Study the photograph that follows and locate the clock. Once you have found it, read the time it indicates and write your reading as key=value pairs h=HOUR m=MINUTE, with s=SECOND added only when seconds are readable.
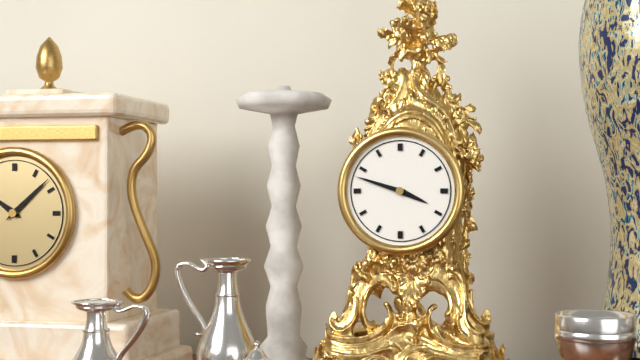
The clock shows h=3 m=48
